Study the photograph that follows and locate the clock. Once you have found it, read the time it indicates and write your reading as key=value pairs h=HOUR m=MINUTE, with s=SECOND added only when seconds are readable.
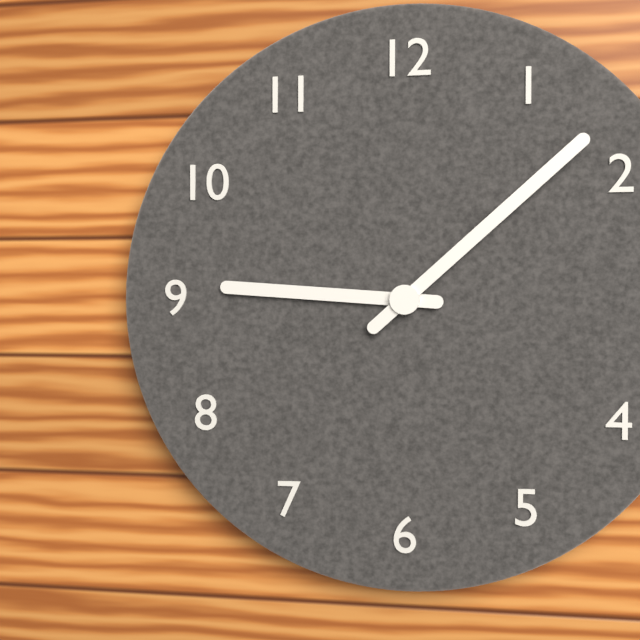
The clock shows h=9 m=8
